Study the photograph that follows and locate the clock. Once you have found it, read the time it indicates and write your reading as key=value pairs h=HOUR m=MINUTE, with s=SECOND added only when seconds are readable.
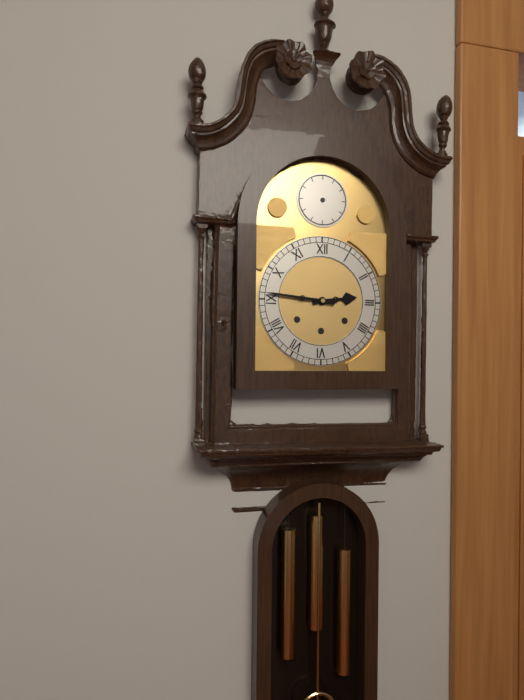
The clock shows h=2 m=46
